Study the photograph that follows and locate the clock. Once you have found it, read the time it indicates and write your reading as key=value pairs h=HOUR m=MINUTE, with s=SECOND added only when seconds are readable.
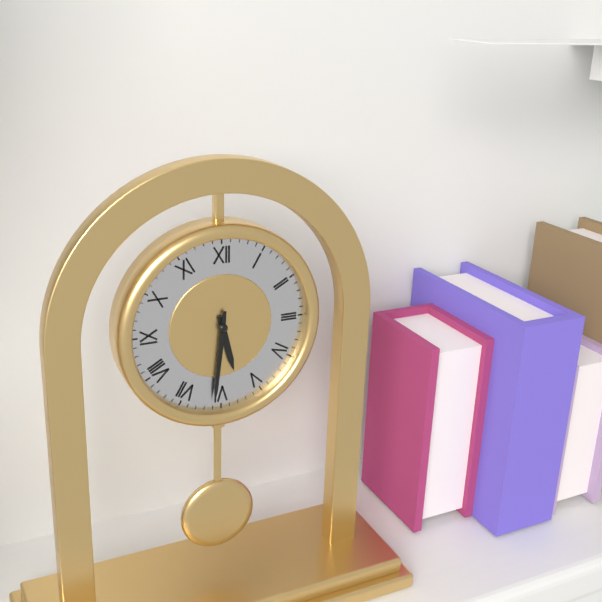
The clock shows h=5 m=31
